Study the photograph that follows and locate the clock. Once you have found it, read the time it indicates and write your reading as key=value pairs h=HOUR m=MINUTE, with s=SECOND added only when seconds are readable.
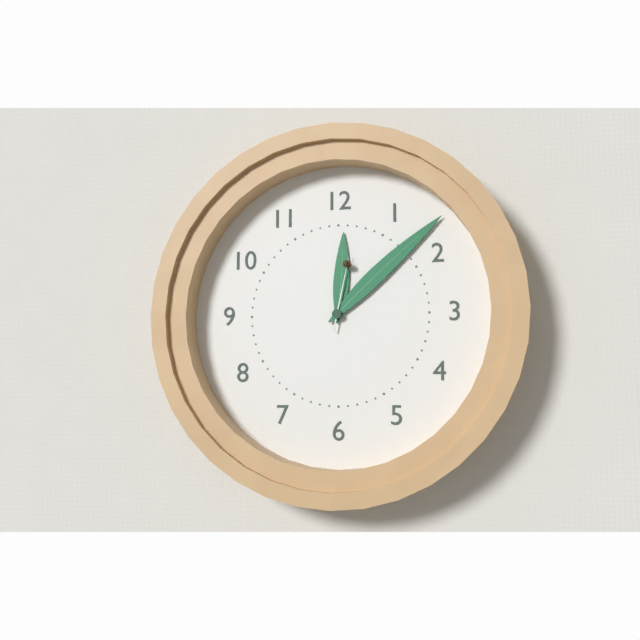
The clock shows h=12 m=8 s=2
